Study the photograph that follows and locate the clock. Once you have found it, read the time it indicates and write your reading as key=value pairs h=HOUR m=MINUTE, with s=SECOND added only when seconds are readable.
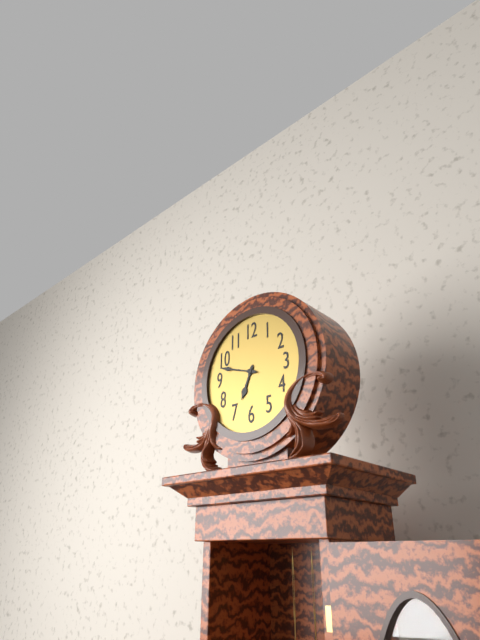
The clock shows h=6 m=48
